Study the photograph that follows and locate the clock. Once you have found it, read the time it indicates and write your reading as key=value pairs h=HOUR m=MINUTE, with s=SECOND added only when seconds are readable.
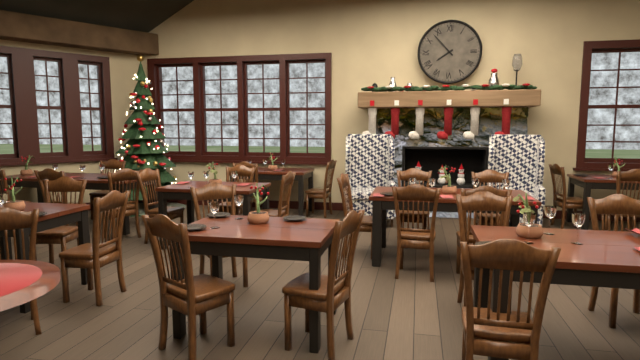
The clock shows h=7 m=53
